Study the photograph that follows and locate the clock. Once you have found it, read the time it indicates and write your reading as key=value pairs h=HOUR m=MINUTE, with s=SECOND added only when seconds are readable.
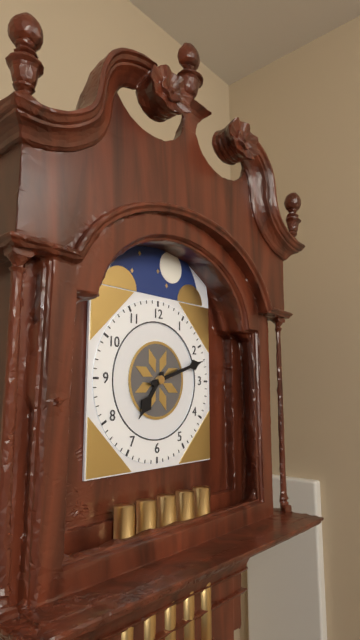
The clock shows h=7 m=12
